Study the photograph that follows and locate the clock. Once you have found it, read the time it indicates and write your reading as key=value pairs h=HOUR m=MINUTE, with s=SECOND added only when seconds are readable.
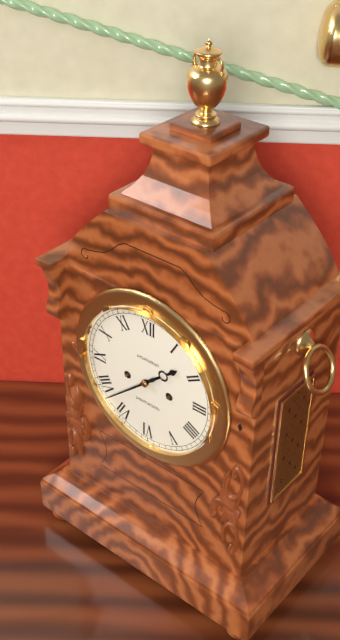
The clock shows h=1 m=38
